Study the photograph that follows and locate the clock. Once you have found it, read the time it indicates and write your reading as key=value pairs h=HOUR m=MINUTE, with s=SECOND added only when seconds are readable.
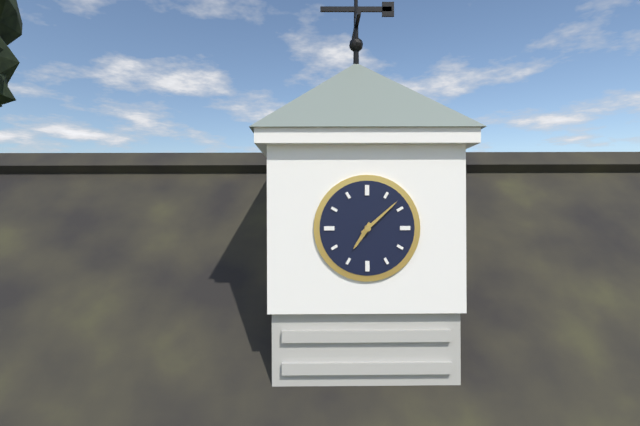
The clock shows h=7 m=8
